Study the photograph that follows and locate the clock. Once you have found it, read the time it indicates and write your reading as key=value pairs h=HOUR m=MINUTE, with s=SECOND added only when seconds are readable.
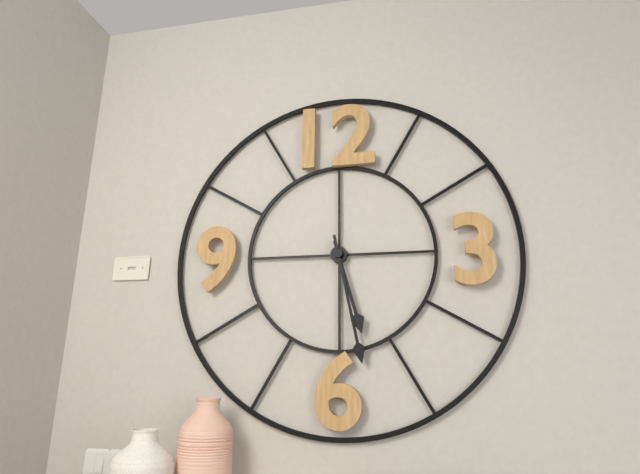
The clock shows h=5 m=28
